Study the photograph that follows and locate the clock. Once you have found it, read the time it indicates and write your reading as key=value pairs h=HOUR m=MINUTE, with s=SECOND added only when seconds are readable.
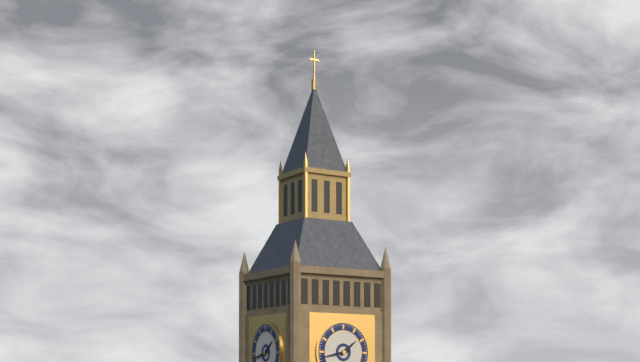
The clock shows h=1 m=43
